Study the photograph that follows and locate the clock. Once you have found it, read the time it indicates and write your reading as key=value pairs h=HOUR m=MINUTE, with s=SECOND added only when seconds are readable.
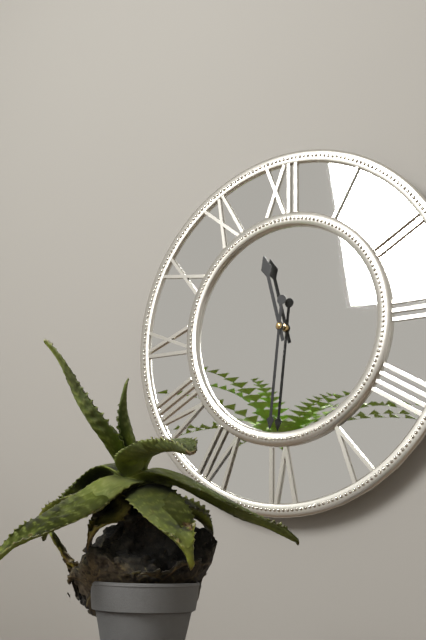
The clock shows h=11 m=31
